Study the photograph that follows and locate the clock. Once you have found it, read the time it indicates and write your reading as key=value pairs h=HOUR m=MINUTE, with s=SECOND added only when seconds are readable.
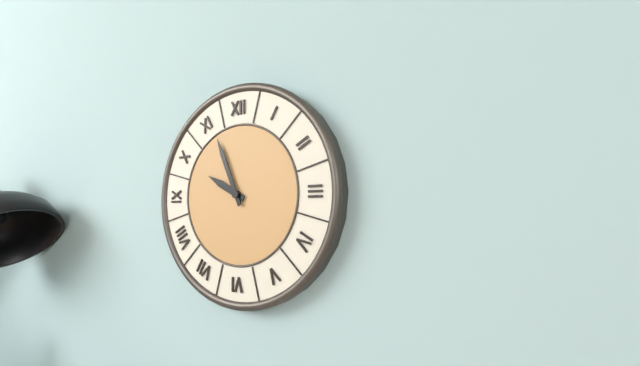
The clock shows h=9 m=56
